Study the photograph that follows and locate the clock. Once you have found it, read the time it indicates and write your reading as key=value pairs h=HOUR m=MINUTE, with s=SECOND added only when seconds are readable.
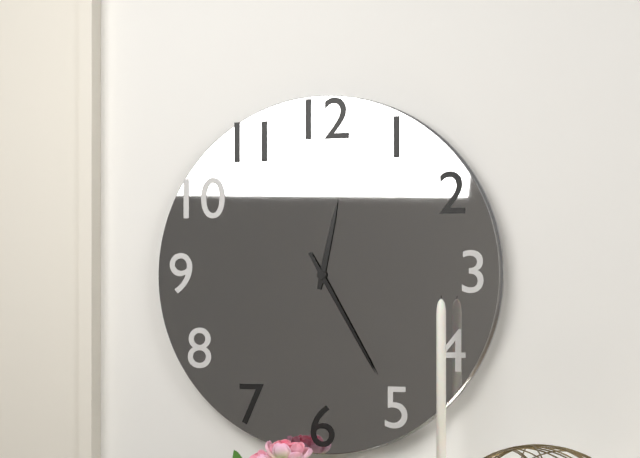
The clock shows h=12 m=25
